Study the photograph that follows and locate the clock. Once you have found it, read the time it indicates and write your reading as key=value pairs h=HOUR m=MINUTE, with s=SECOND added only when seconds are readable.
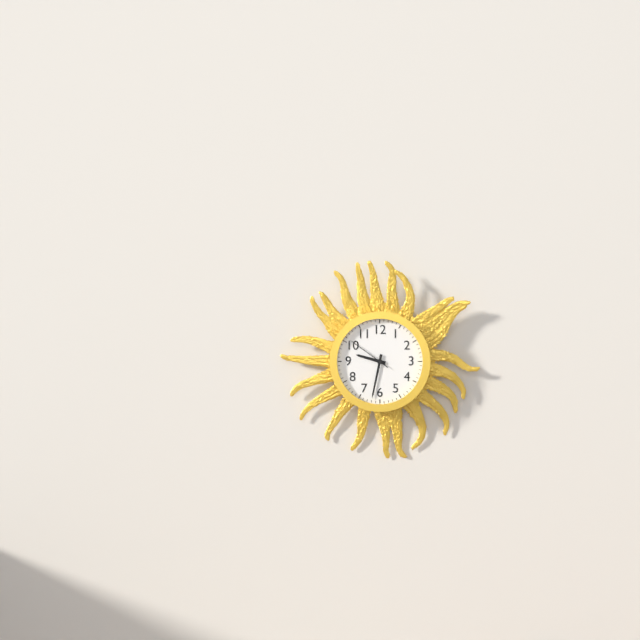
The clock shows h=9 m=32
